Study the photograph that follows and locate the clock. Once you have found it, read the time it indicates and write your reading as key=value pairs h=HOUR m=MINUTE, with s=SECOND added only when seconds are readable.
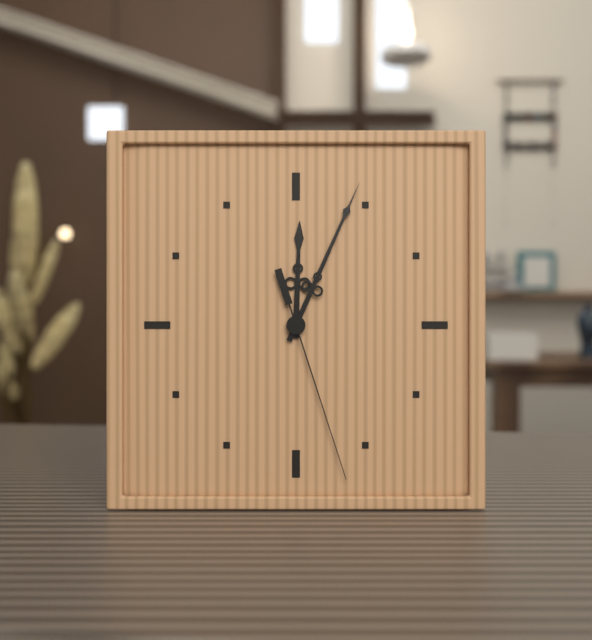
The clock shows h=12 m=4 s=27
